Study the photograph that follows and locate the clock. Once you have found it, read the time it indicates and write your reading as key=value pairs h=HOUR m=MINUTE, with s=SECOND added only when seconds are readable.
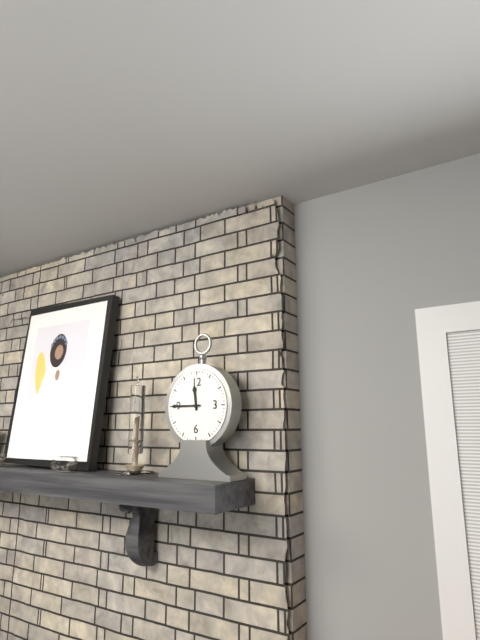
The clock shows h=11 m=45
